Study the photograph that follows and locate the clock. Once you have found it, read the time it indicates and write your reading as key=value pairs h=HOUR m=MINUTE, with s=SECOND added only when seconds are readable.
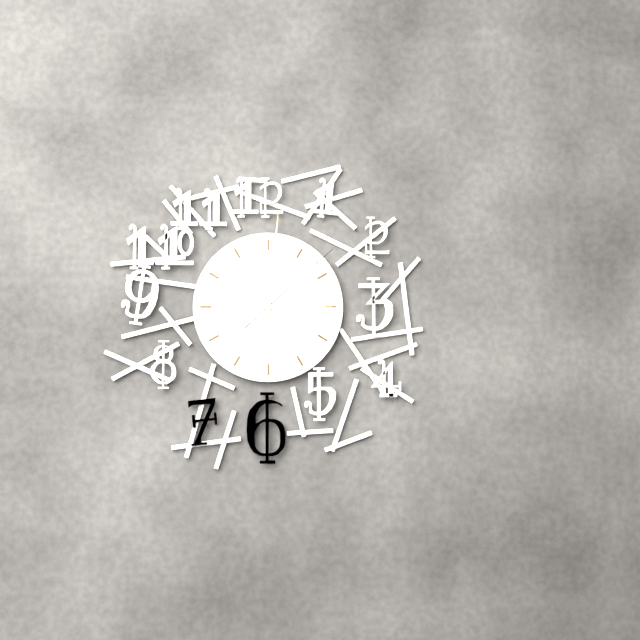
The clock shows h=3 m=1 s=8
